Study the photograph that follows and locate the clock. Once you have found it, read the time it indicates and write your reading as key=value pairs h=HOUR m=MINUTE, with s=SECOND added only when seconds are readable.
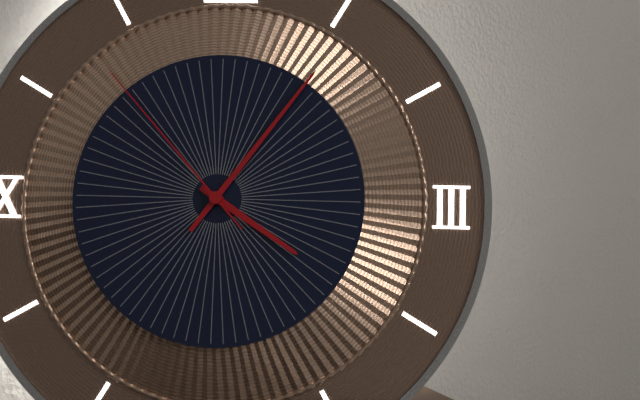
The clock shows h=4 m=6 s=53
